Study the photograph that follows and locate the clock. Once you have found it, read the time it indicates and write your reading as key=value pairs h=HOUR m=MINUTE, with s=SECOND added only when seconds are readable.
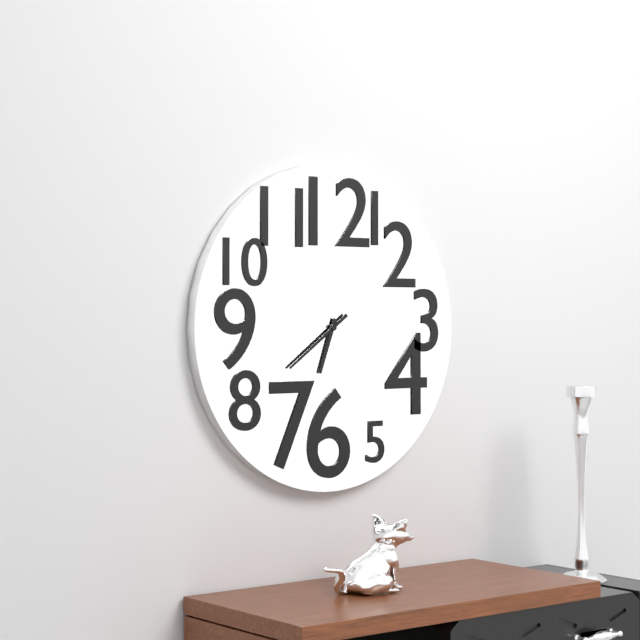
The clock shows h=6 m=39
